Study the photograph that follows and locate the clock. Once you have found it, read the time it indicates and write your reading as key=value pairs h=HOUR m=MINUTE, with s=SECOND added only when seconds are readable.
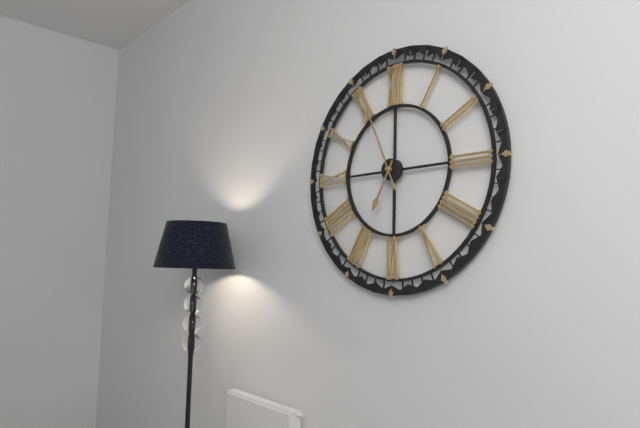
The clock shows h=6 m=56
